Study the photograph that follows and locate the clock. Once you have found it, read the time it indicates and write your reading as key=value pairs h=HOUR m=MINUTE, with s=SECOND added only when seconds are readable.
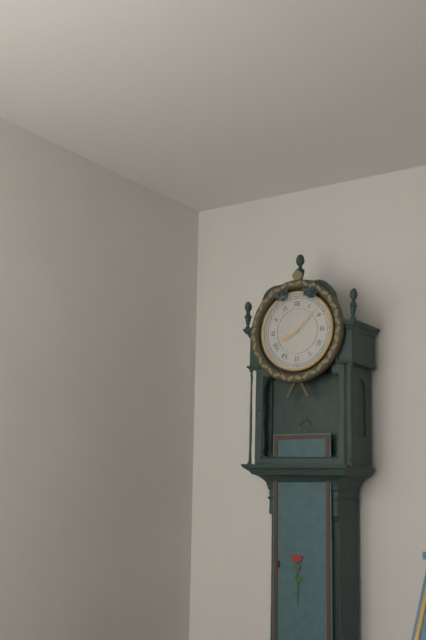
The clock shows h=8 m=8
